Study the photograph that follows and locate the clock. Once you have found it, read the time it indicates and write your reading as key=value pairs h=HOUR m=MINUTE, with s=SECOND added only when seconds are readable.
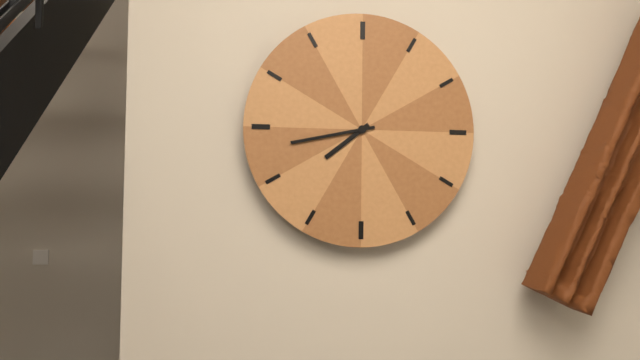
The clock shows h=7 m=43
